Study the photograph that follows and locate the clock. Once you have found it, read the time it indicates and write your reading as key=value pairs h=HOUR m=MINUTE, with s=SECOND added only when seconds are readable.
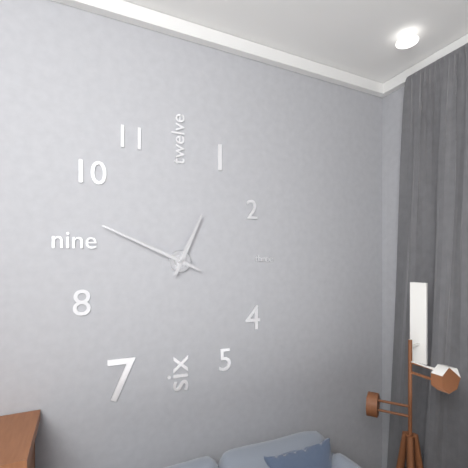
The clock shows h=12 m=49
